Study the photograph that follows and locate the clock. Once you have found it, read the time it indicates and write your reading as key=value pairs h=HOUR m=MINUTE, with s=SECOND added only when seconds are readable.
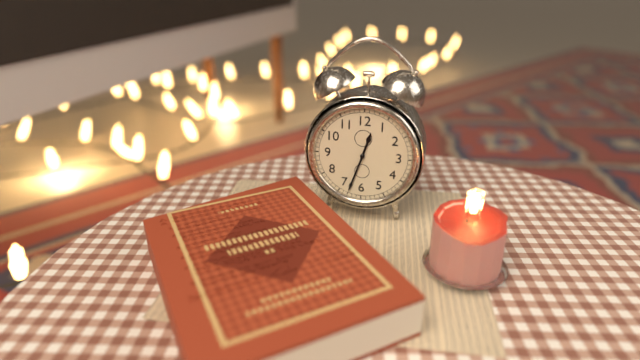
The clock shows h=12 m=33
